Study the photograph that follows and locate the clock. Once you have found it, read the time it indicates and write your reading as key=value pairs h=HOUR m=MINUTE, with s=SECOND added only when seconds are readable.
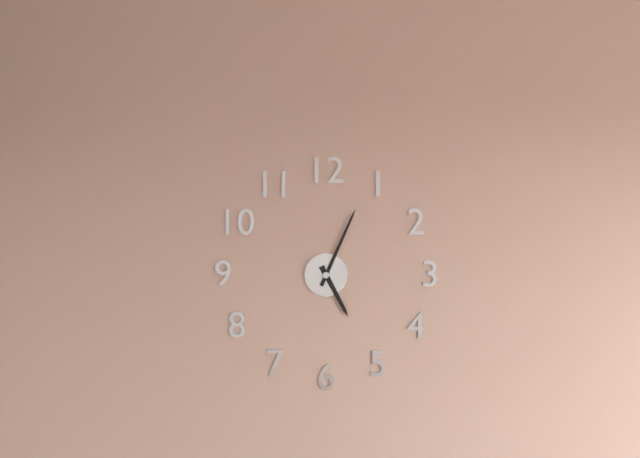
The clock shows h=5 m=4
